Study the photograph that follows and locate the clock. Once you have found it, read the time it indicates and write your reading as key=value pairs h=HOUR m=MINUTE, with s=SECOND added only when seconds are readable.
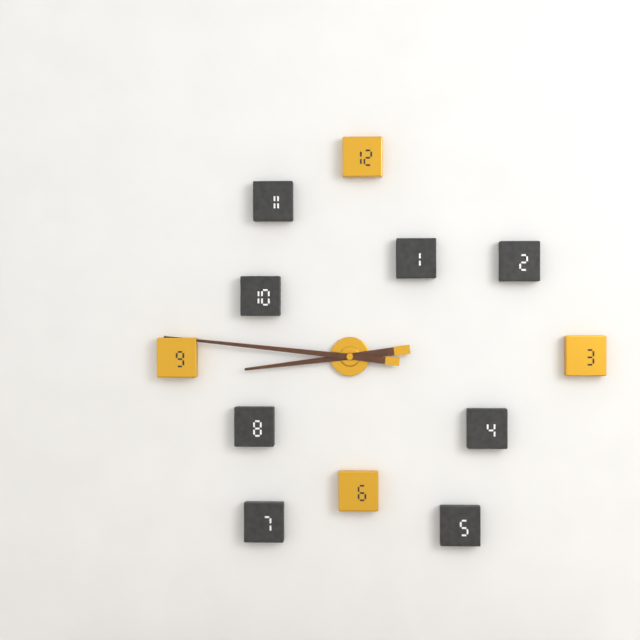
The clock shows h=8 m=46
